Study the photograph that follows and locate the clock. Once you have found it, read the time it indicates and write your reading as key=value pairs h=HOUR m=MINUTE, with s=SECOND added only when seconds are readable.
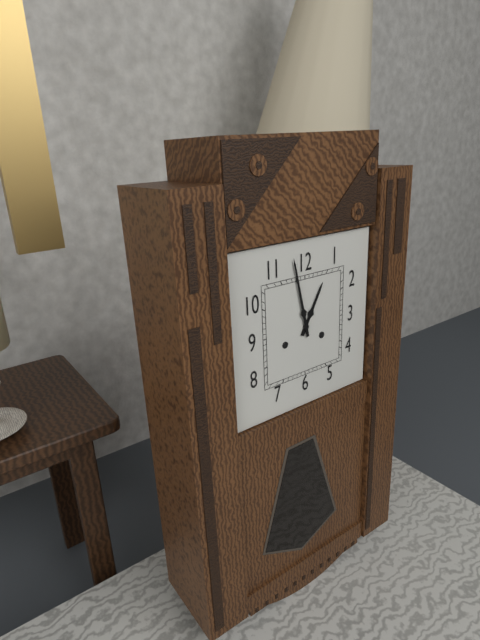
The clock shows h=12 m=58
